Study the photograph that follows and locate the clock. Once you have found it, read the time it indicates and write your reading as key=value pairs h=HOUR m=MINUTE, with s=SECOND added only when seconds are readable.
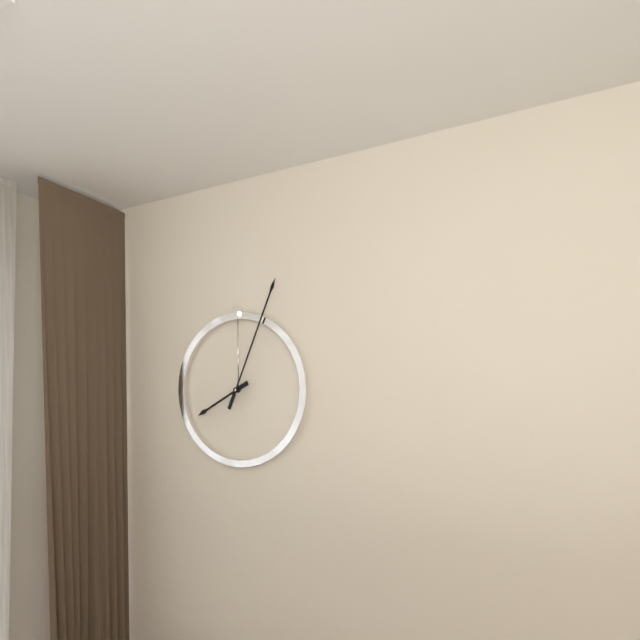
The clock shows h=8 m=4
